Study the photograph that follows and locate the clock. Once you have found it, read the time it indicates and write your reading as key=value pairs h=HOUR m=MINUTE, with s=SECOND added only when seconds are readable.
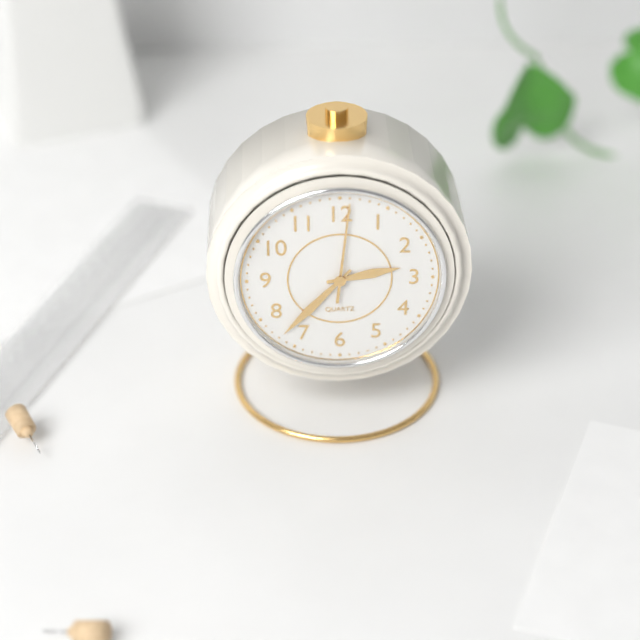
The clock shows h=2 m=37 s=1
